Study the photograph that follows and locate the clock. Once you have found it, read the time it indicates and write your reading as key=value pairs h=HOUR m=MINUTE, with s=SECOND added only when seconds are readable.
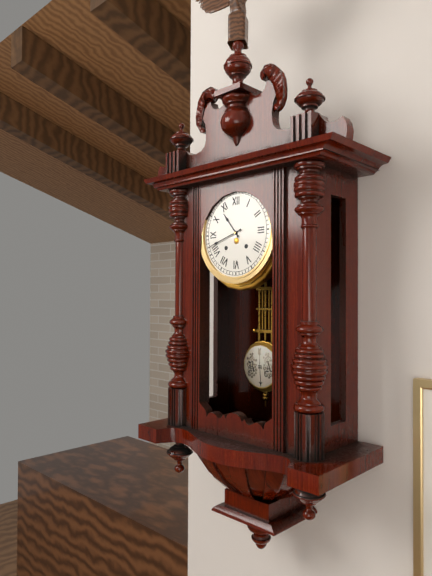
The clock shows h=10 m=42
